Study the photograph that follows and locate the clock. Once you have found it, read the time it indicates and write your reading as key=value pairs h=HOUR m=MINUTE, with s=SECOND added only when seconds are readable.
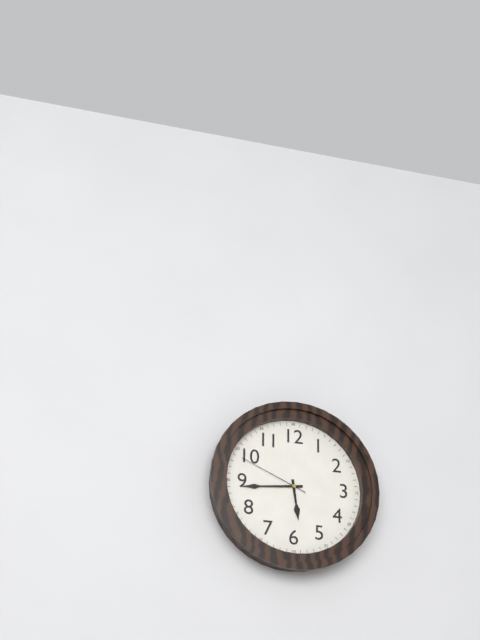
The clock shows h=5 m=44 s=49
